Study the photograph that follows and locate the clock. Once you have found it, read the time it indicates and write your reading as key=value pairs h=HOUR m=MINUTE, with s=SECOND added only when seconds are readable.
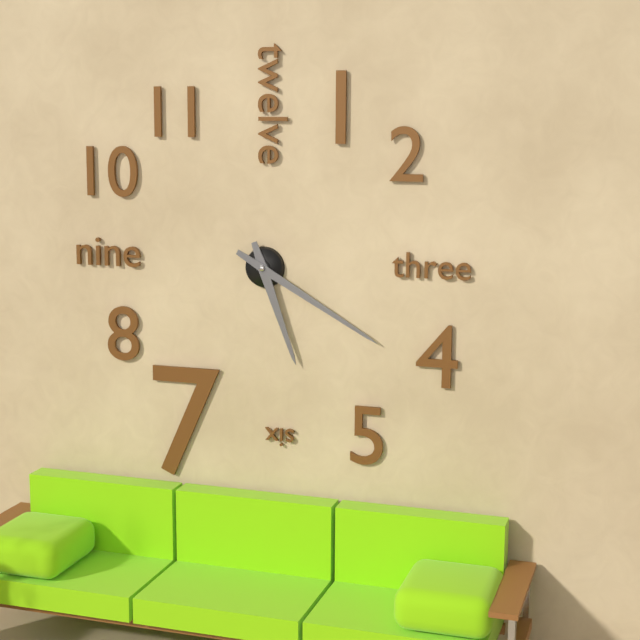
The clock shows h=5 m=20
